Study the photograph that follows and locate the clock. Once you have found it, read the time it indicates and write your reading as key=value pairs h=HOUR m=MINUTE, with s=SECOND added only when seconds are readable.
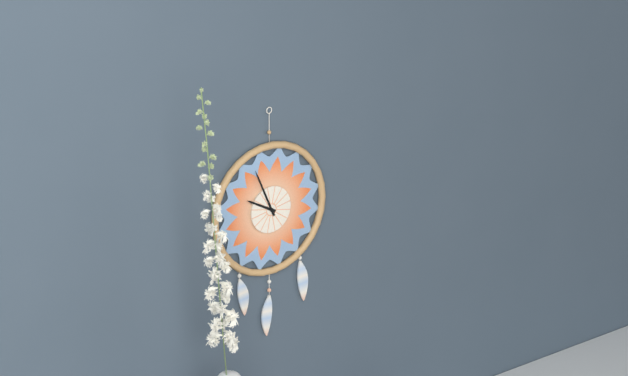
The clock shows h=9 m=56
